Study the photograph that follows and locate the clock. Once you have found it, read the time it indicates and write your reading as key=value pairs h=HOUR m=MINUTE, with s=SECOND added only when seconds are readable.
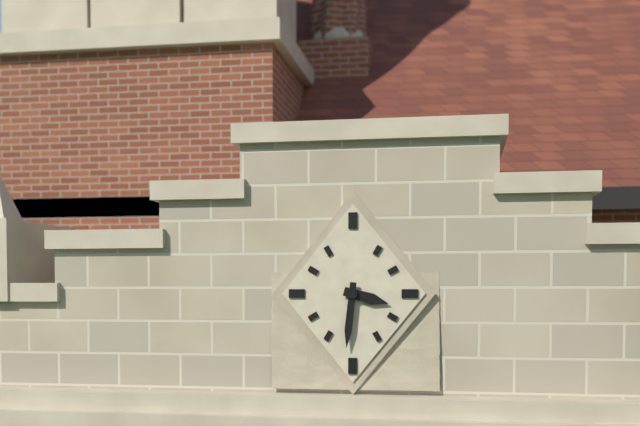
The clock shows h=3 m=31
